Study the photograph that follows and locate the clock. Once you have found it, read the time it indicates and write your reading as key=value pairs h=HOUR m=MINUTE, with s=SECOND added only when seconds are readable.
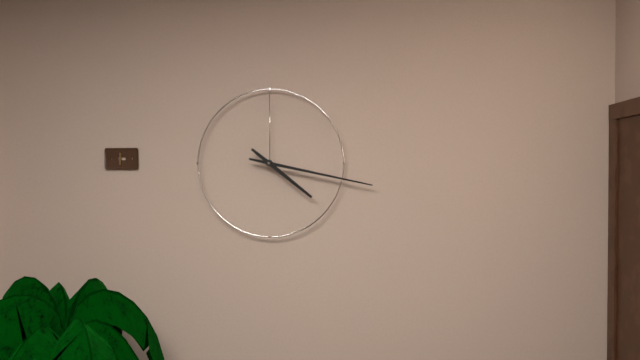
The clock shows h=4 m=17
